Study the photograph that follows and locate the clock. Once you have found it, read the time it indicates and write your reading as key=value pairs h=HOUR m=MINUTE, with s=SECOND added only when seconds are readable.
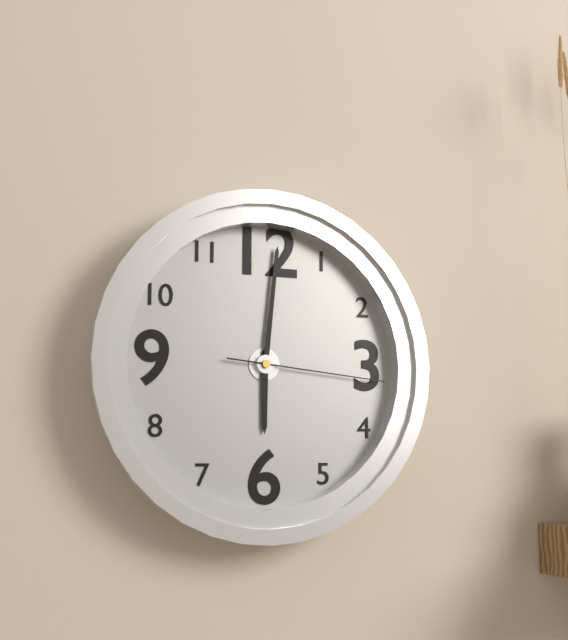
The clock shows h=6 m=1 s=16
